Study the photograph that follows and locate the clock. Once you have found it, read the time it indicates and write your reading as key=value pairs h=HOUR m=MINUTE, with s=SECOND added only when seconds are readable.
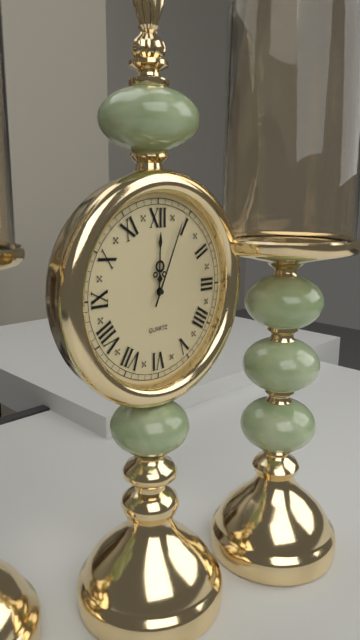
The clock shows h=12 m=4
